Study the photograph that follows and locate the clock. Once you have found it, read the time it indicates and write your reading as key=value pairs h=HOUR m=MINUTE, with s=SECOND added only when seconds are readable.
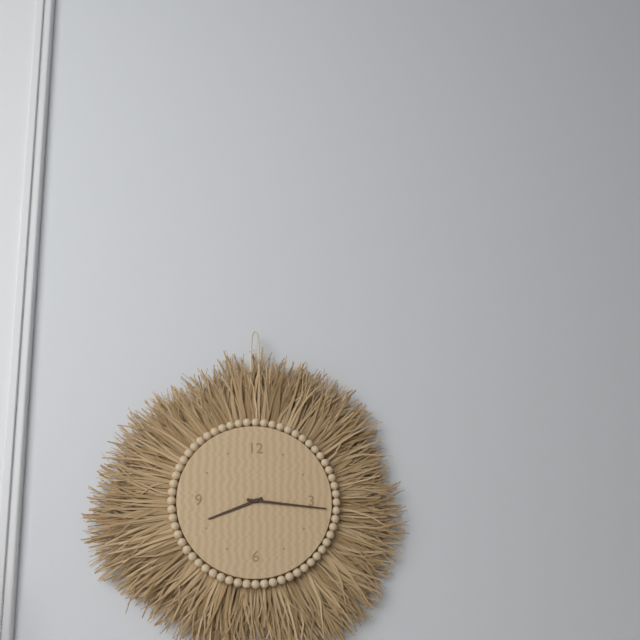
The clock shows h=8 m=16
